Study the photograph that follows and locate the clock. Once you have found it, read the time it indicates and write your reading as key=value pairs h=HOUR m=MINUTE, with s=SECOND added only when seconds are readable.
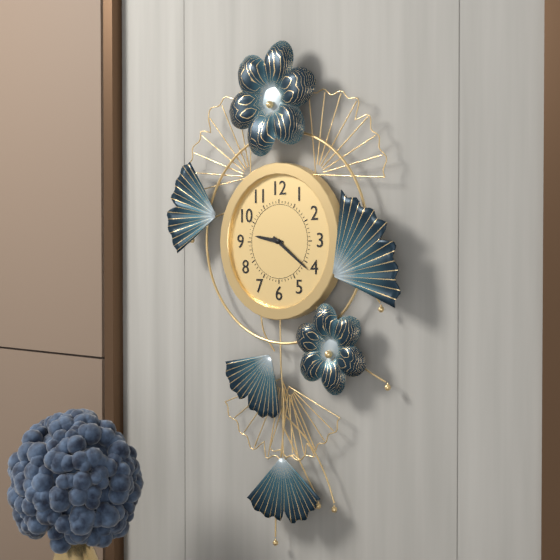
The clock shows h=9 m=21
